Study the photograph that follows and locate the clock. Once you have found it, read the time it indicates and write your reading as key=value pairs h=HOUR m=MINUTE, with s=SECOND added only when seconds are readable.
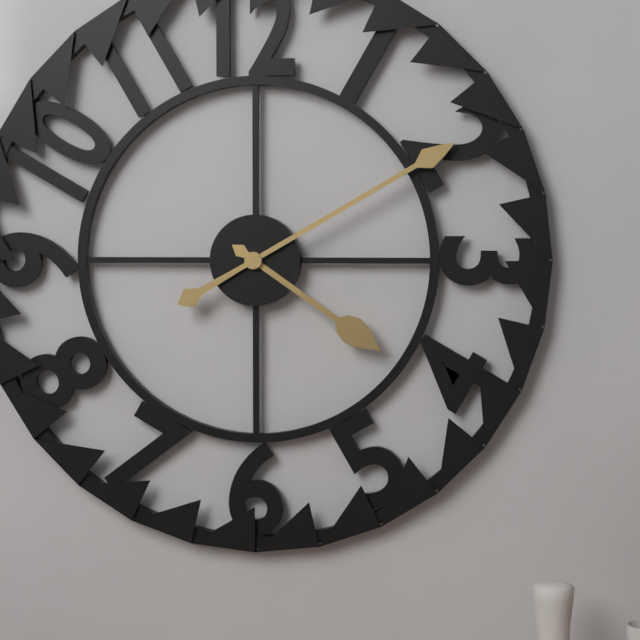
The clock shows h=4 m=10
